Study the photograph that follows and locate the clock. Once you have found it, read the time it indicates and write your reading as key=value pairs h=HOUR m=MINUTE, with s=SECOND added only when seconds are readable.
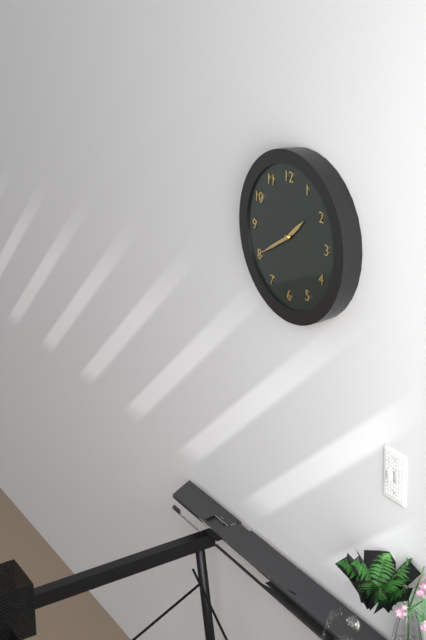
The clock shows h=1 m=40
